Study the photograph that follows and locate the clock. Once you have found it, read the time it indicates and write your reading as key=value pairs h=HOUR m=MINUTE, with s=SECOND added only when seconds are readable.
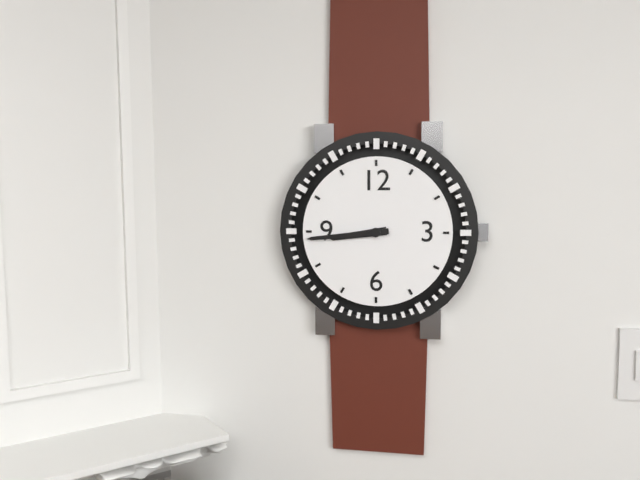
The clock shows h=8 m=44
